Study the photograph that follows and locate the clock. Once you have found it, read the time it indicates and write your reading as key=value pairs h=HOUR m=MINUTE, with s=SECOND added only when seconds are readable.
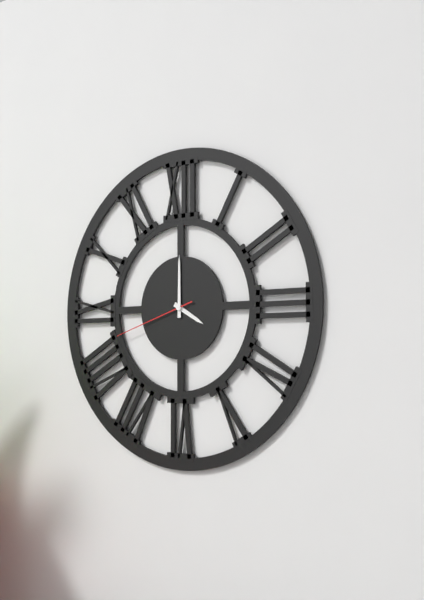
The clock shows h=4 m=0 s=42
